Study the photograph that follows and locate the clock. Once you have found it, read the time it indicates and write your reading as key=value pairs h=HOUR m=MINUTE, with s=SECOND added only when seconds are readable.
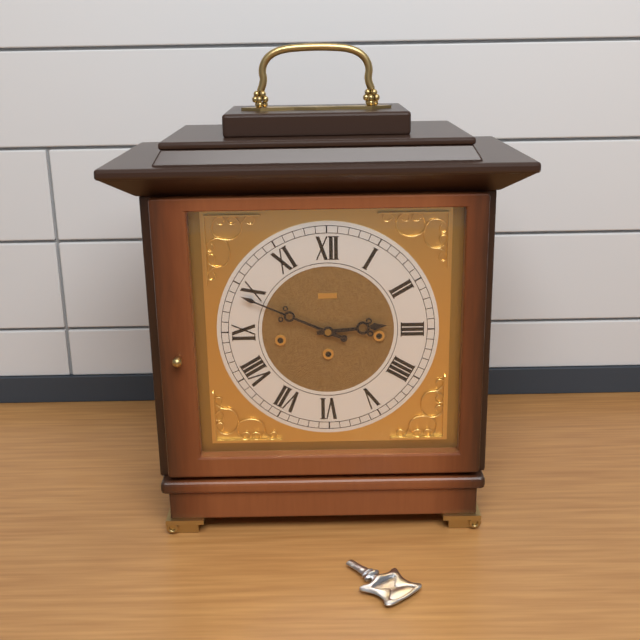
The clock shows h=2 m=49
